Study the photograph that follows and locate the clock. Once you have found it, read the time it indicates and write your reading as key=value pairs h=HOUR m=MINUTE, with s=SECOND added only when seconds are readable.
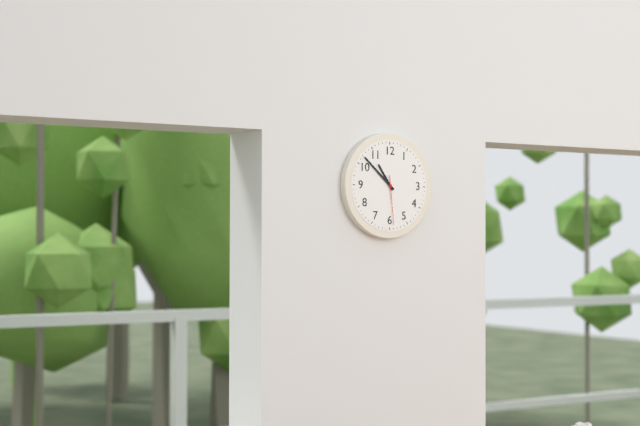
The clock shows h=10 m=52
